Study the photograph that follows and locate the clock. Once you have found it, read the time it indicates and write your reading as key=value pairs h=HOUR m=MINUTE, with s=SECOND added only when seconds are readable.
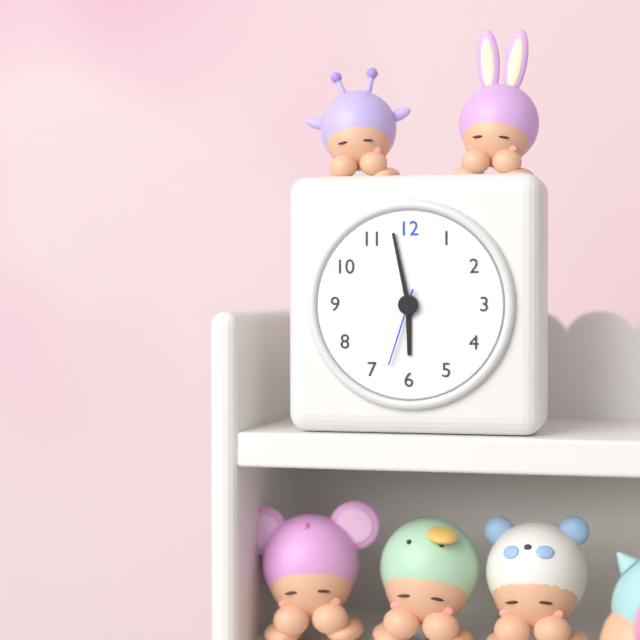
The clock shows h=5 m=58 s=33
